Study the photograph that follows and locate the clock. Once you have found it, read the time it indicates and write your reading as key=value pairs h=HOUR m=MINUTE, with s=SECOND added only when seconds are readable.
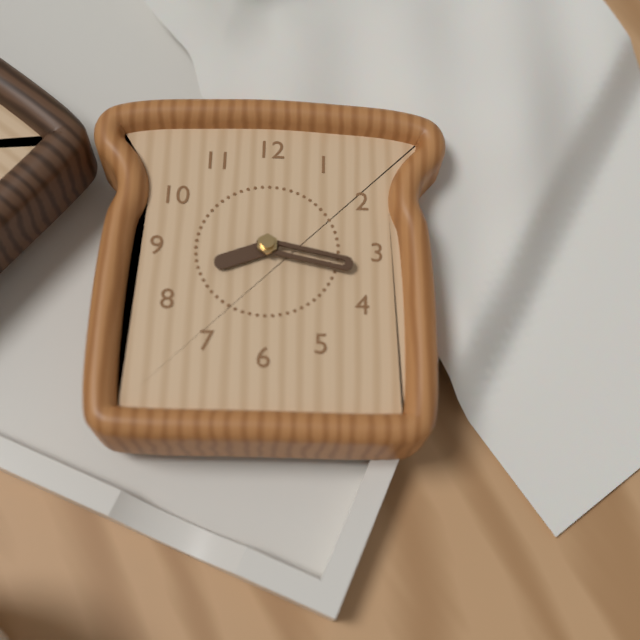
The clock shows h=8 m=17
